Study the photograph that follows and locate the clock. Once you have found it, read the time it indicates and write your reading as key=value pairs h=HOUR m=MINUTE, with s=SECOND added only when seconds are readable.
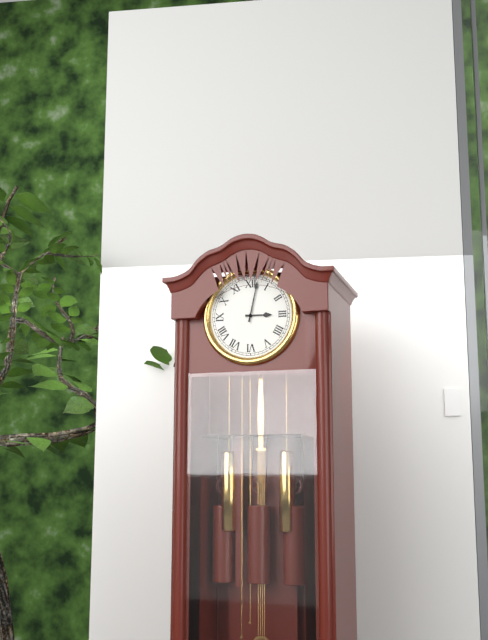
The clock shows h=3 m=2
